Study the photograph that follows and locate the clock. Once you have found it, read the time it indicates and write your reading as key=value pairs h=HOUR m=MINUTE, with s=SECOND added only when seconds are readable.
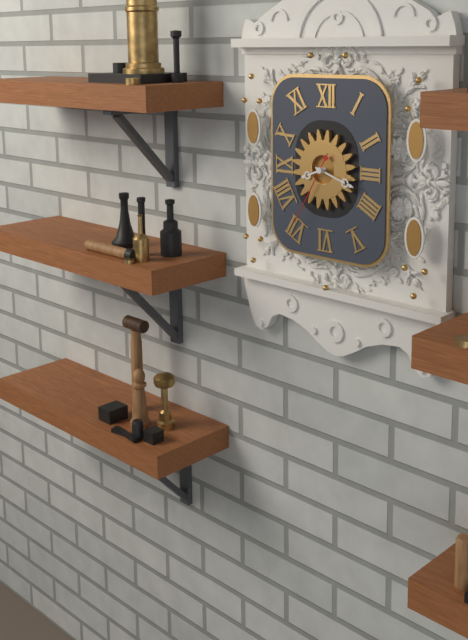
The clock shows h=8 m=18 s=35
